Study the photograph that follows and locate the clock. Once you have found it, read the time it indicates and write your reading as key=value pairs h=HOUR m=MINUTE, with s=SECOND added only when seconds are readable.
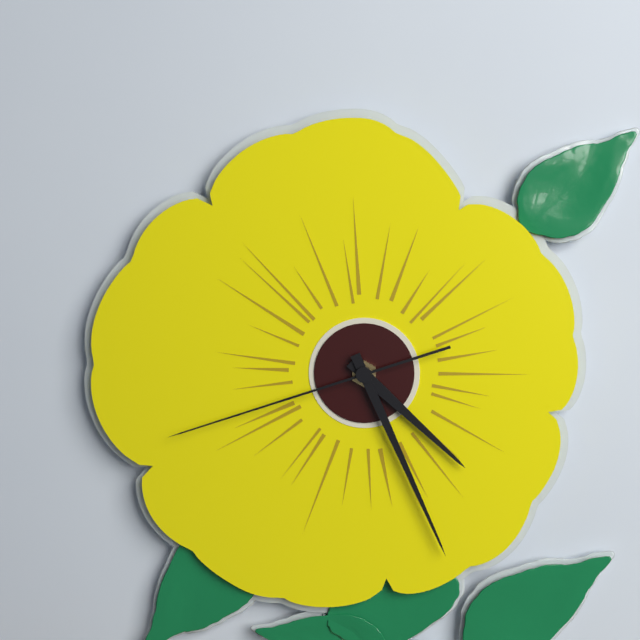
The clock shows h=4 m=26 s=42
